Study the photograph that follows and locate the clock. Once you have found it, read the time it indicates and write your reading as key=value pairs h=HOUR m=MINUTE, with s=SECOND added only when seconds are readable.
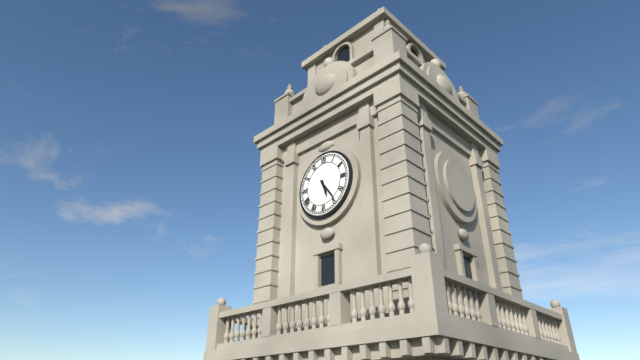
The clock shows h=5 m=24
